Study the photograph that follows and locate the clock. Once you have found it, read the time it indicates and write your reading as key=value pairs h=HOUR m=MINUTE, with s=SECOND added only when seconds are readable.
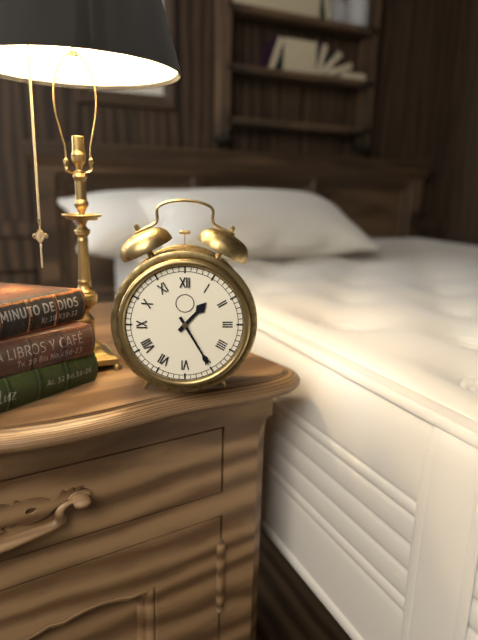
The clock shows h=1 m=25
